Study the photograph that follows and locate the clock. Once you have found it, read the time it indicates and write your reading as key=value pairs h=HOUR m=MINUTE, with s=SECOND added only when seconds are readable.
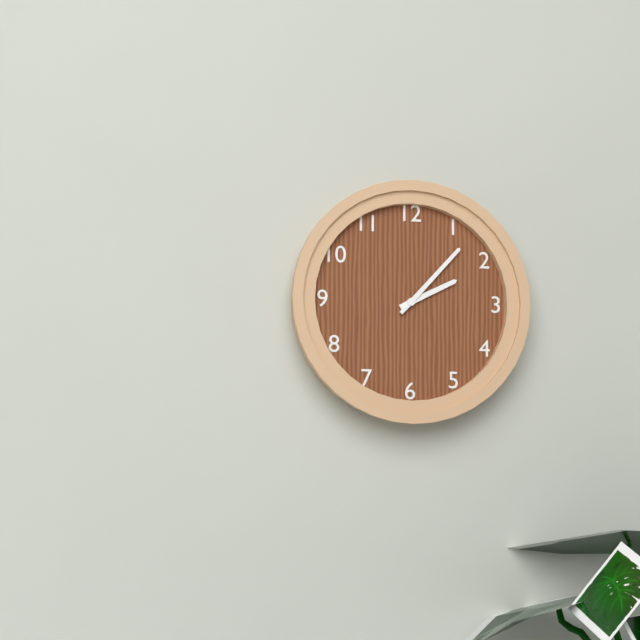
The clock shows h=2 m=7
